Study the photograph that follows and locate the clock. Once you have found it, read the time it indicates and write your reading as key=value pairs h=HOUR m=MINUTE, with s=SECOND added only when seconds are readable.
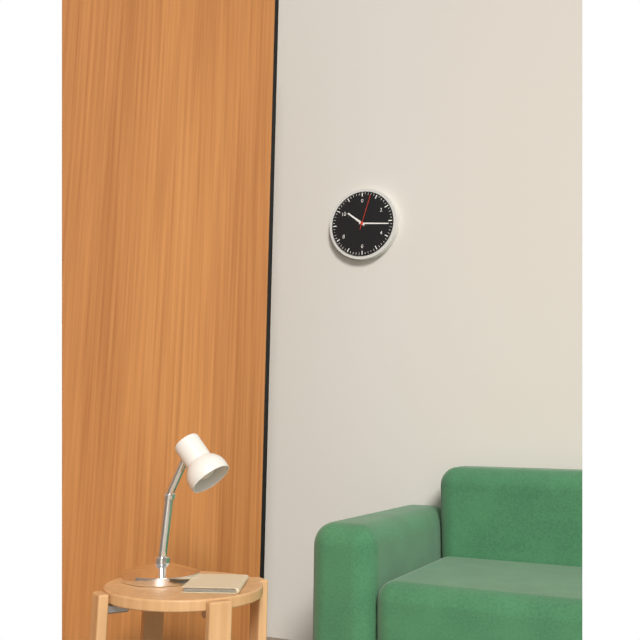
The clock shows h=10 m=16
